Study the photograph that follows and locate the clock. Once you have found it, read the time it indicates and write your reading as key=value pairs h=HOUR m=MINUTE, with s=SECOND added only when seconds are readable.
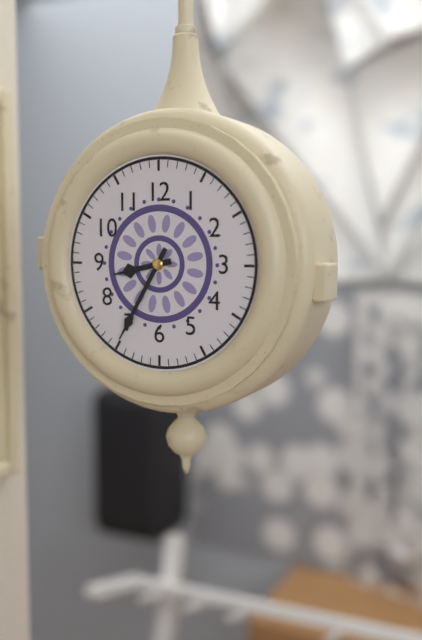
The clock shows h=8 m=35
